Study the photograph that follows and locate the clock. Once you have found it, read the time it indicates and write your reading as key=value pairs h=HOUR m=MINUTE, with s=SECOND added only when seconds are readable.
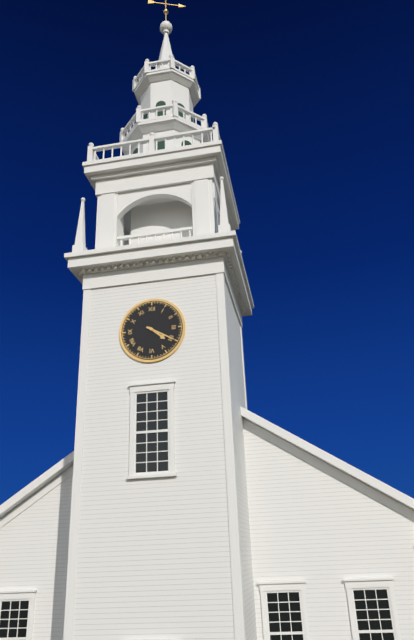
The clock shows h=4 m=20
